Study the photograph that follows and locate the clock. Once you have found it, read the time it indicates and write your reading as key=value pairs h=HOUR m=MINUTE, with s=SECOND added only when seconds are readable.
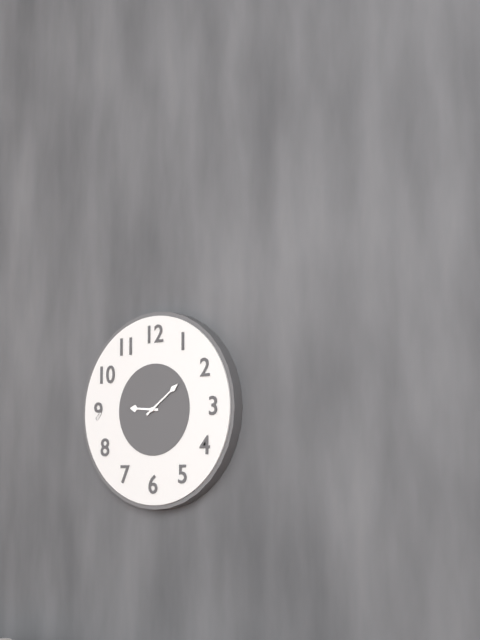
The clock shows h=9 m=9
